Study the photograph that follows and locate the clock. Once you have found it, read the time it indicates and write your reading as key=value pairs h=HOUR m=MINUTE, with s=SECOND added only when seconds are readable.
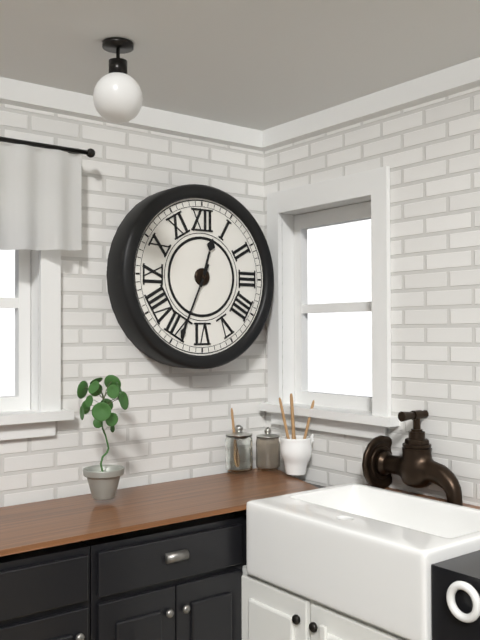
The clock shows h=12 m=34
